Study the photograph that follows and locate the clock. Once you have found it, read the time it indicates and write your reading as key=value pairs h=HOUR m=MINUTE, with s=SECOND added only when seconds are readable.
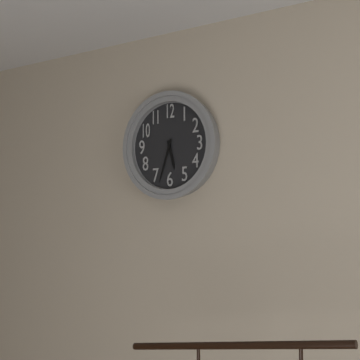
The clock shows h=5 m=33
